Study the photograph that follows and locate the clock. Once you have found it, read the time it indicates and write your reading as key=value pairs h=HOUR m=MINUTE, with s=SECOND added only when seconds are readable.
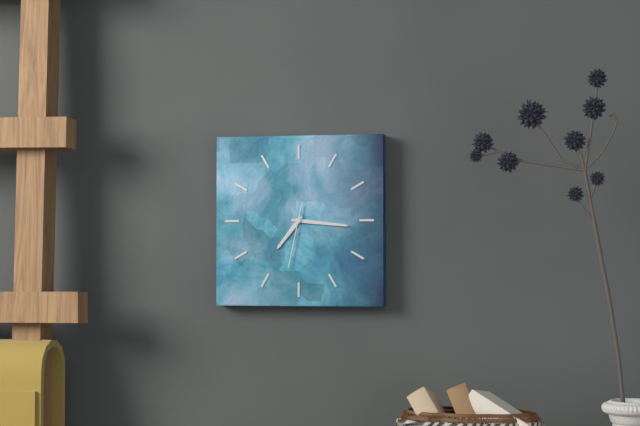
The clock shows h=7 m=16 s=32
